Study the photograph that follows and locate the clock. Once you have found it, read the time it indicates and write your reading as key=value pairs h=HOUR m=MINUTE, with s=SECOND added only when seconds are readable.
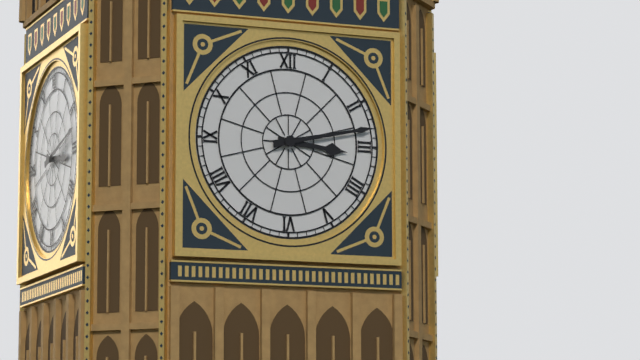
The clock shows h=3 m=13
